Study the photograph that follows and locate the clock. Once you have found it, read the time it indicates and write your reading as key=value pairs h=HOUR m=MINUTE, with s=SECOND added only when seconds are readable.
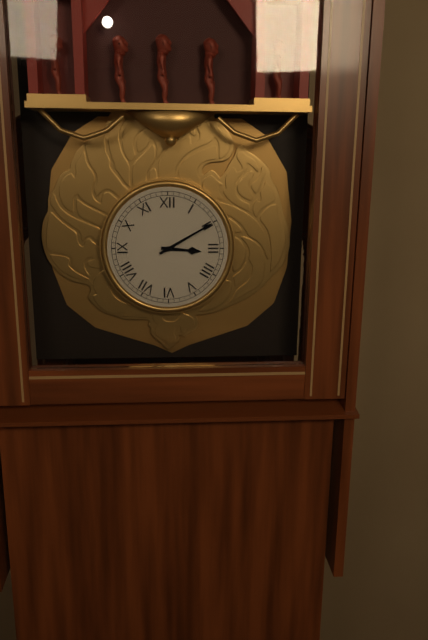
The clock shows h=3 m=10
